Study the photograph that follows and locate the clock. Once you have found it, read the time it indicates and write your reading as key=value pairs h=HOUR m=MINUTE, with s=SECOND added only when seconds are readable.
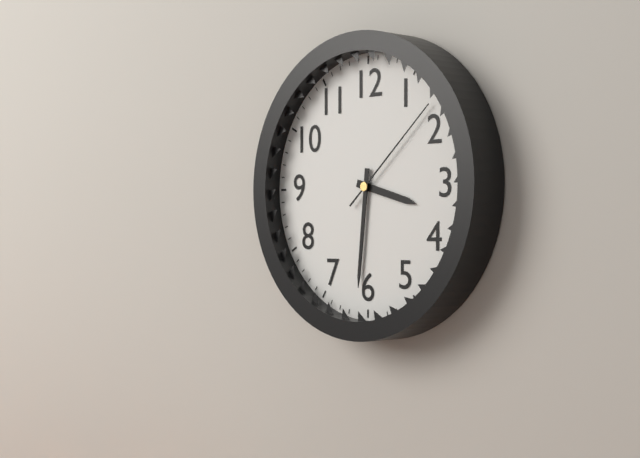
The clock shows h=3 m=31 s=8
